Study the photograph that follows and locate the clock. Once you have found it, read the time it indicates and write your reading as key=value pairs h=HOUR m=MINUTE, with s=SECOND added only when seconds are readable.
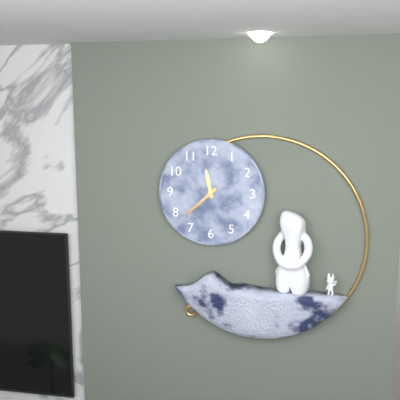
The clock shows h=11 m=38
